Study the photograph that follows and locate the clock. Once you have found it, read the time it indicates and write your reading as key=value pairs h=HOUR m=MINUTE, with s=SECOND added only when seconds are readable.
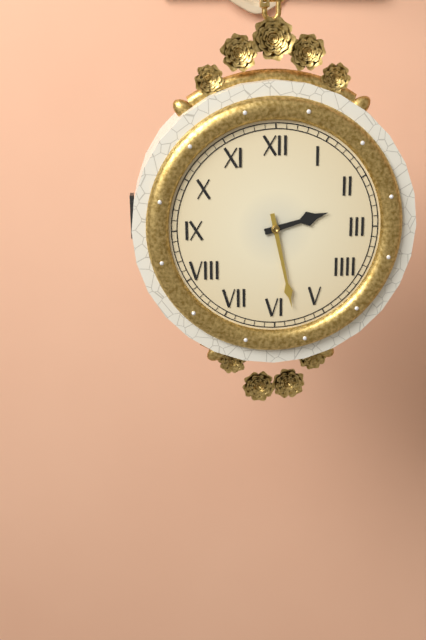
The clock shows h=2 m=28
